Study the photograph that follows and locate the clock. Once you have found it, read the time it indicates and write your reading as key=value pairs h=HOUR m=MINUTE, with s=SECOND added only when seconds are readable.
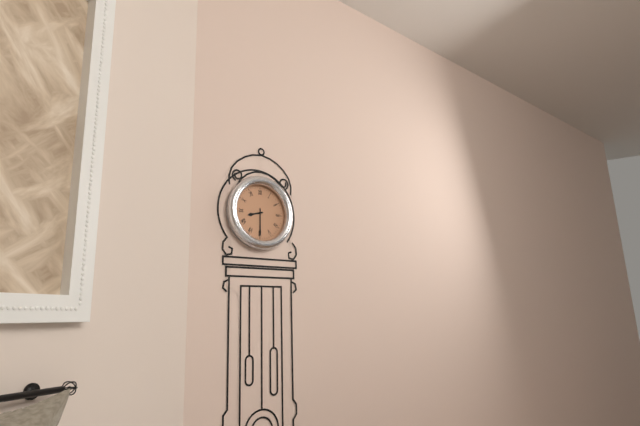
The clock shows h=8 m=30
